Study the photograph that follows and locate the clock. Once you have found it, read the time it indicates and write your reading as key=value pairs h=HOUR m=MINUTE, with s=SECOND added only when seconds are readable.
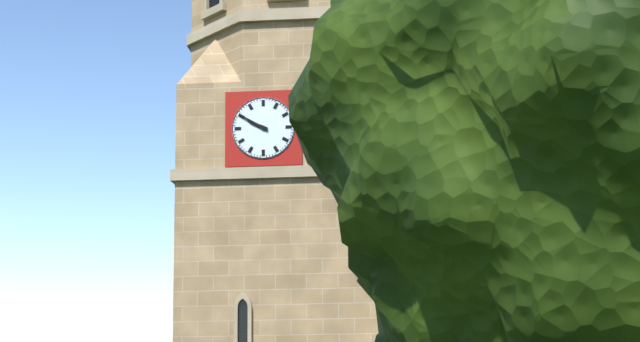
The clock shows h=9 m=50
